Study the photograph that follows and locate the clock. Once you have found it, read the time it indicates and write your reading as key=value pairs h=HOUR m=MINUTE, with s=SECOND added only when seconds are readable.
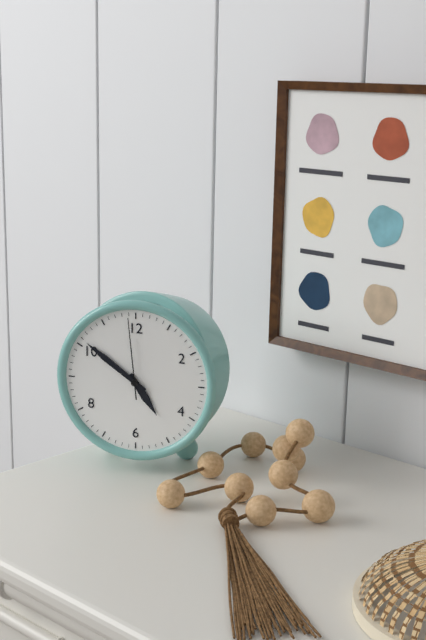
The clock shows h=4 m=51 s=59
